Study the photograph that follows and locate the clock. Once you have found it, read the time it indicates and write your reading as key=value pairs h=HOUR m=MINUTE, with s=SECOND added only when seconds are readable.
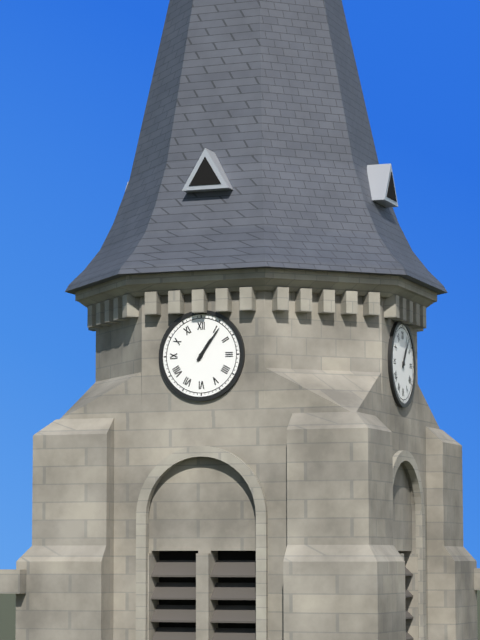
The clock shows h=1 m=6
